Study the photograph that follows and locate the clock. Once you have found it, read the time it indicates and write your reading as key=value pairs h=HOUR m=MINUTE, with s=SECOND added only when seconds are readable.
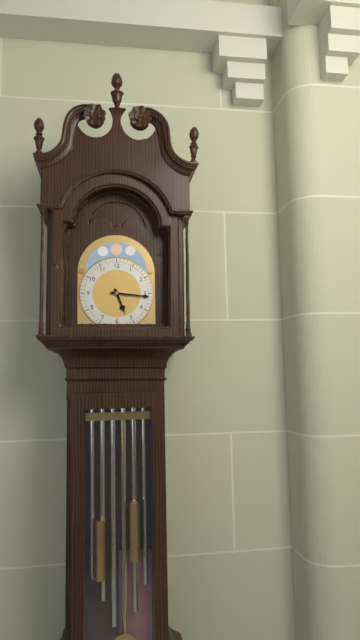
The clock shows h=5 m=16
